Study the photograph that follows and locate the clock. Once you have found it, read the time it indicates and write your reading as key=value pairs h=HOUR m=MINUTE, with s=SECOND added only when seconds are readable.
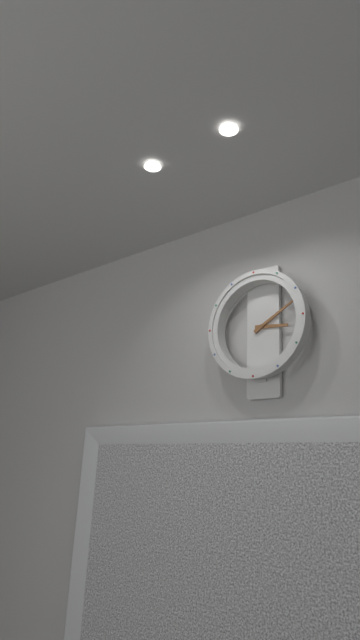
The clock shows h=3 m=10
